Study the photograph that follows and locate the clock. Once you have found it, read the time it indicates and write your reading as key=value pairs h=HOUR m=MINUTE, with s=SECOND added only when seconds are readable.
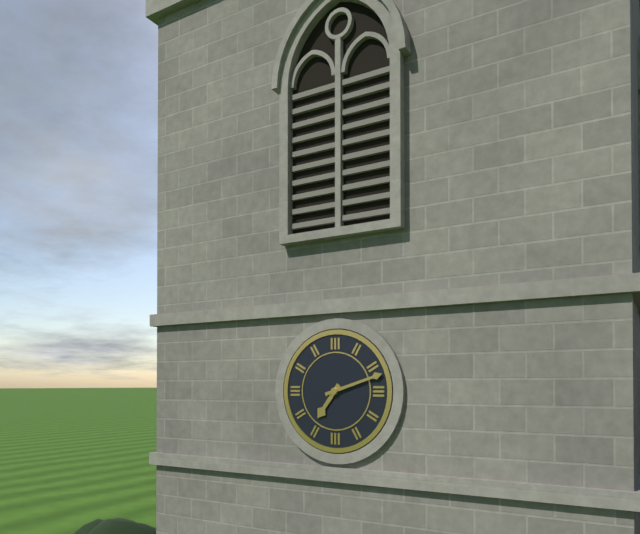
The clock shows h=7 m=12
